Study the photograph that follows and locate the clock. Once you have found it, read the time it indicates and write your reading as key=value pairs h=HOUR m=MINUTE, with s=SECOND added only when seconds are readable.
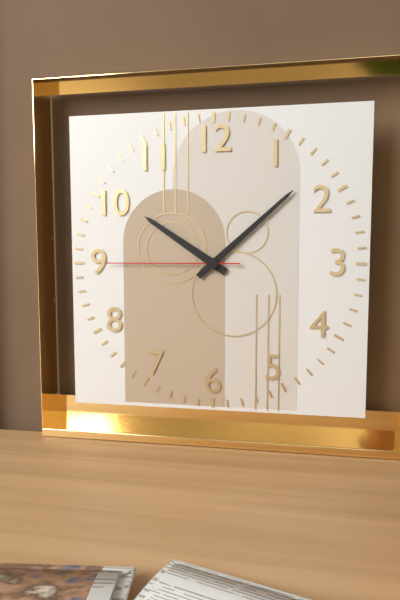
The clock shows h=10 m=8 s=45
